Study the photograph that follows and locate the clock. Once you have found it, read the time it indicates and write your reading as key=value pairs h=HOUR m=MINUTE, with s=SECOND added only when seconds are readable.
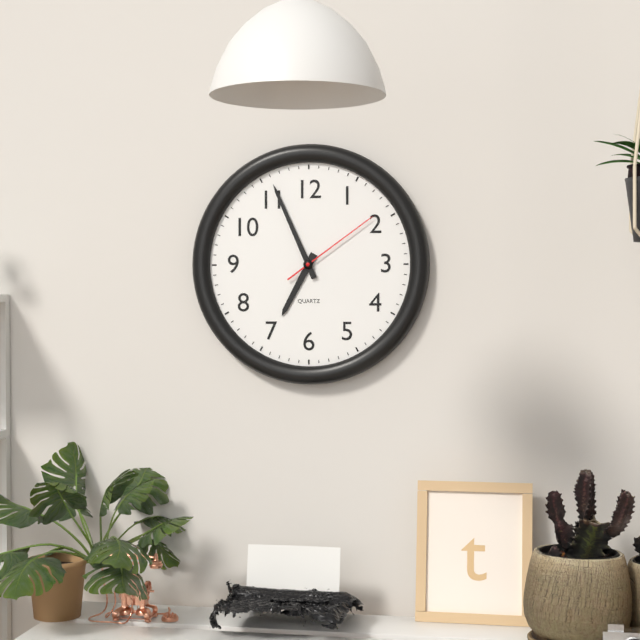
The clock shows h=6 m=56 s=9
